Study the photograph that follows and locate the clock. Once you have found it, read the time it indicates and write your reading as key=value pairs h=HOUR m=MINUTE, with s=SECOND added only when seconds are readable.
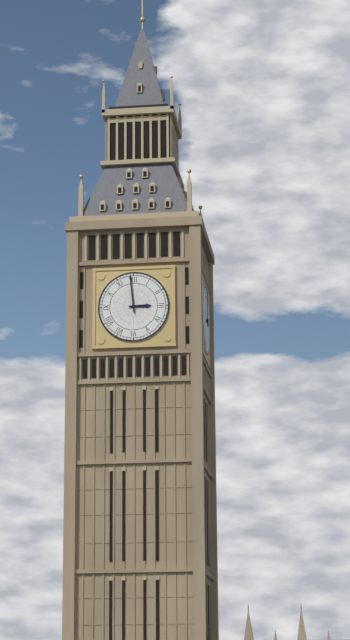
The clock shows h=2 m=59
